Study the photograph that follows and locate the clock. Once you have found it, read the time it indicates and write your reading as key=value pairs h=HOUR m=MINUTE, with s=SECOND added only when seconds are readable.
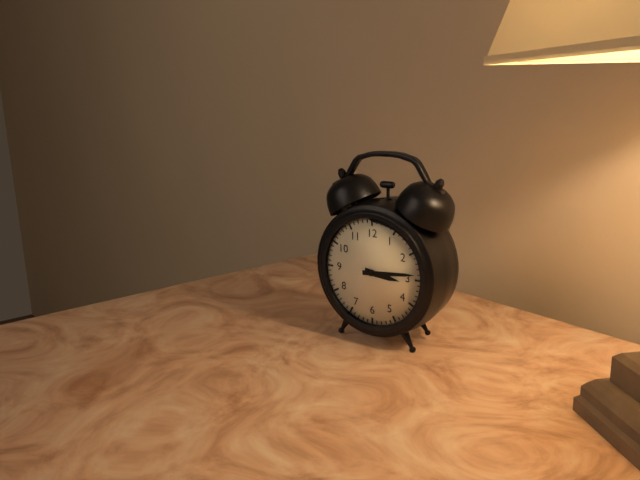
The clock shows h=3 m=14
